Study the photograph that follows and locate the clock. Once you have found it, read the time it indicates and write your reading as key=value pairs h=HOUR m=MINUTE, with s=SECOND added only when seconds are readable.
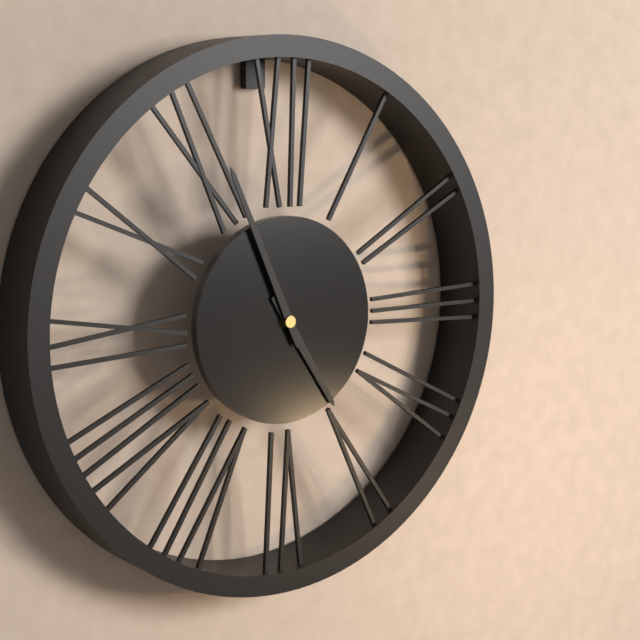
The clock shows h=4 m=56
